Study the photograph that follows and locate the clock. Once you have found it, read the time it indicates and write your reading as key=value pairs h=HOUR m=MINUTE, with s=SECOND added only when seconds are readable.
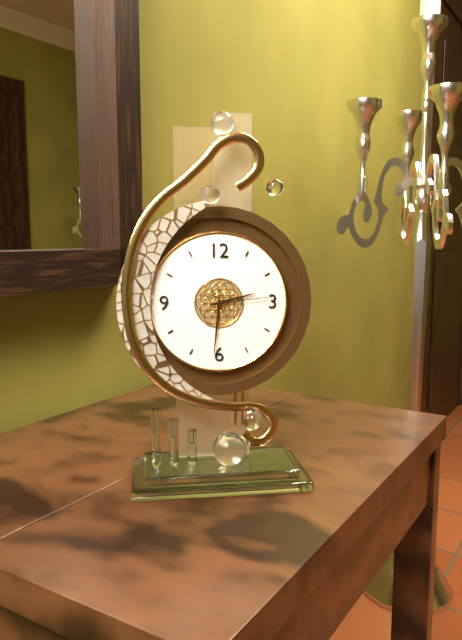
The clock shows h=2 m=31 s=14
